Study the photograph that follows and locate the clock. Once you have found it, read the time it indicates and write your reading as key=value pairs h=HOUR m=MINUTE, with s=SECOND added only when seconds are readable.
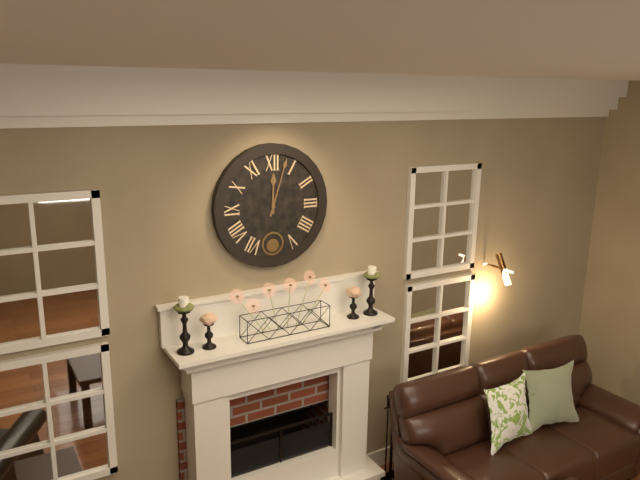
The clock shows h=12 m=3
